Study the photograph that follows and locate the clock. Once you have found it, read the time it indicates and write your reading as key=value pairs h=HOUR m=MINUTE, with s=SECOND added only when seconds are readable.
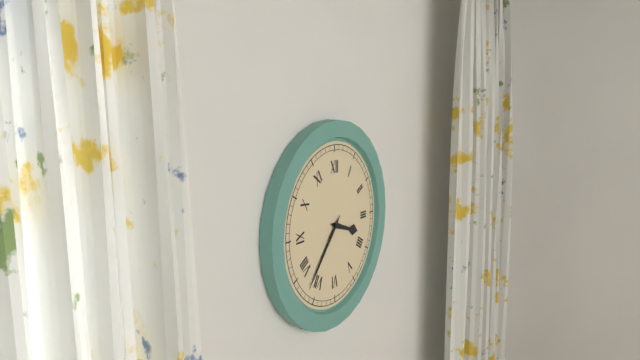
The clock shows h=3 m=37
